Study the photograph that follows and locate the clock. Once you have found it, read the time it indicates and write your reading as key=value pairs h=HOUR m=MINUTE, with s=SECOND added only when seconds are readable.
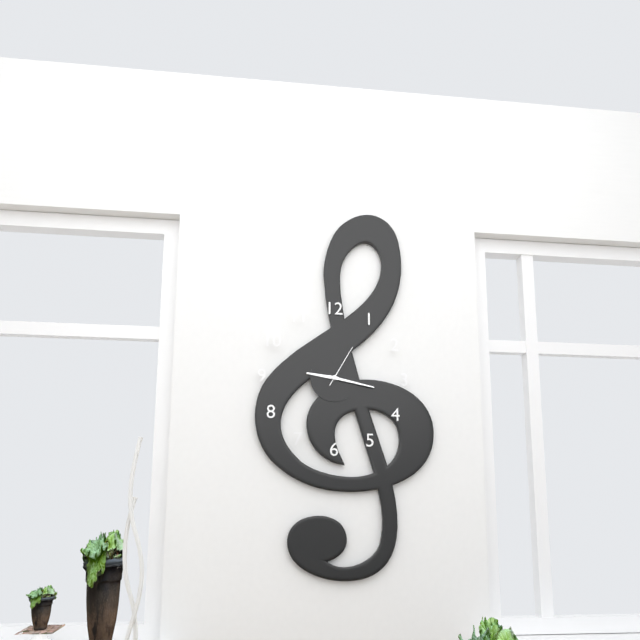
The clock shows h=9 m=17
